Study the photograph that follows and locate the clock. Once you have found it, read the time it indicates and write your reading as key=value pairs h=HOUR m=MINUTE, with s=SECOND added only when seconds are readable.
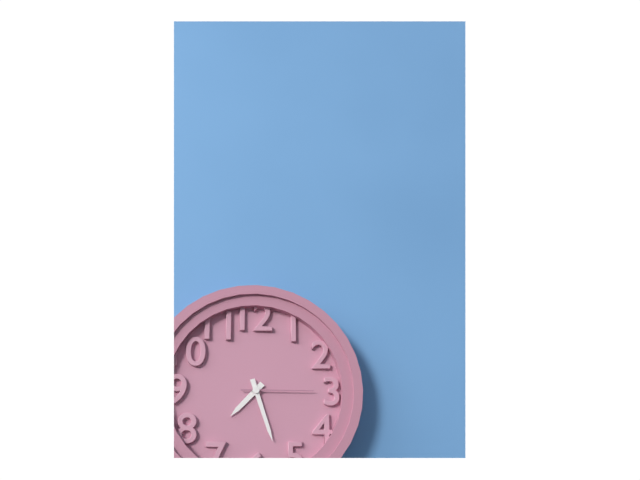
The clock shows h=7 m=27 s=15
